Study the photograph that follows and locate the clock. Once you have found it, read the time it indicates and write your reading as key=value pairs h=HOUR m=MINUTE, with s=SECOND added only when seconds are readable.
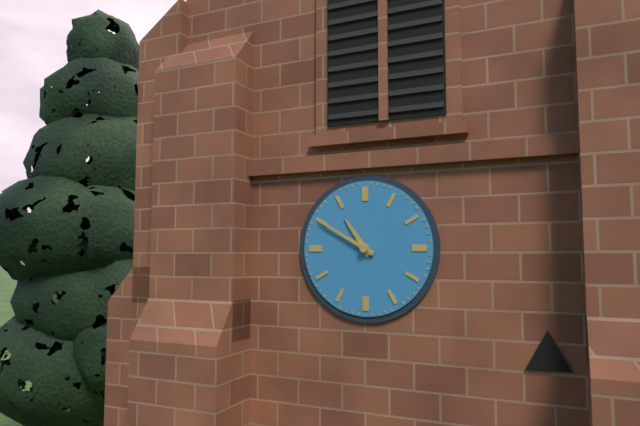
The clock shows h=10 m=50
